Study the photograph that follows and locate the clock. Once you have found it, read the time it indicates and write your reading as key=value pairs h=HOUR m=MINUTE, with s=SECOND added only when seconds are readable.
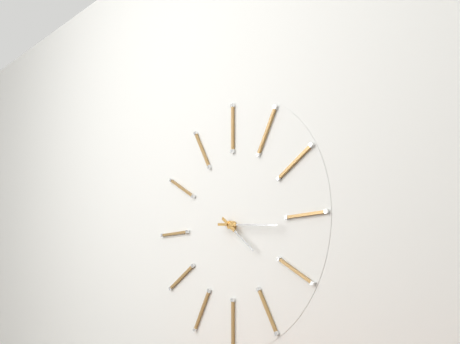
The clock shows h=4 m=16
